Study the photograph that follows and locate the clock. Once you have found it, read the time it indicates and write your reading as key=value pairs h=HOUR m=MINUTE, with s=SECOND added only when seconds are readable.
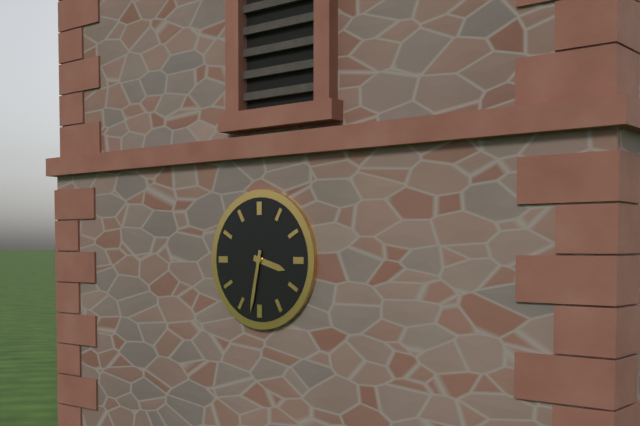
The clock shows h=3 m=32
